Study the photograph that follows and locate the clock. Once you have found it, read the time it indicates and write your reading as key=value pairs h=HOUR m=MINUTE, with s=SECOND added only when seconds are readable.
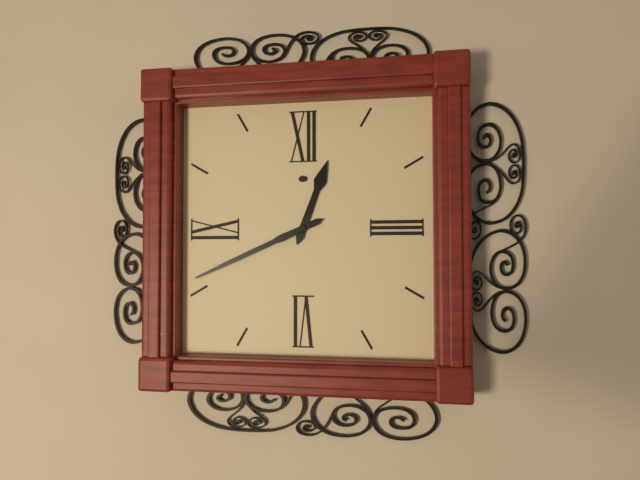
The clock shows h=12 m=41
